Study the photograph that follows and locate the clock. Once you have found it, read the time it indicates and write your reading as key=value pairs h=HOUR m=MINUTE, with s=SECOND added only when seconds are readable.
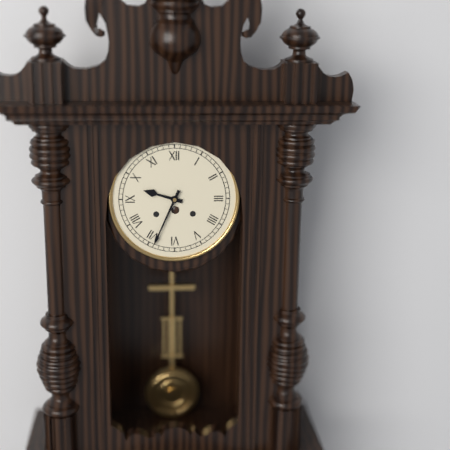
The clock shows h=9 m=34
